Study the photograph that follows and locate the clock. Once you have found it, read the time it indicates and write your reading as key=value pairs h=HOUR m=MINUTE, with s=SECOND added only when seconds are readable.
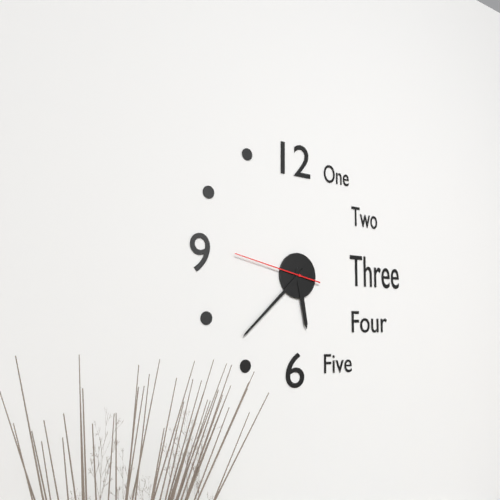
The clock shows h=5 m=38 s=47
